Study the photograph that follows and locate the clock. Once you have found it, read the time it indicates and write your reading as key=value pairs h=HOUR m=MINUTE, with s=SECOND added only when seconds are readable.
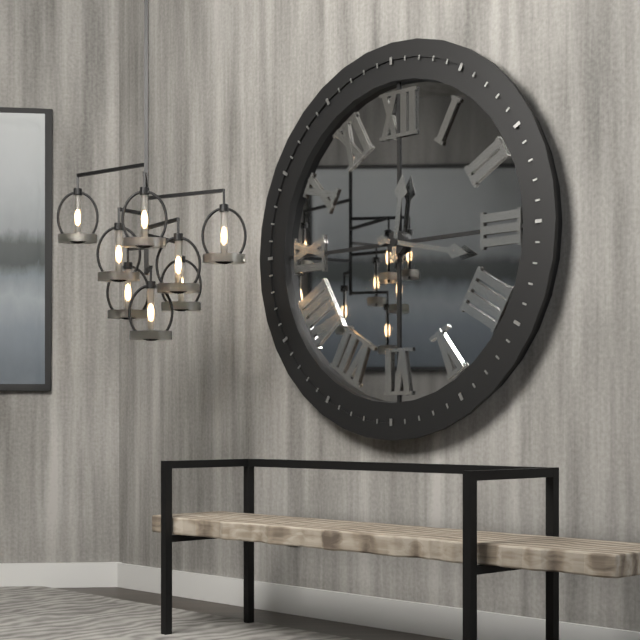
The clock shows h=12 m=17
